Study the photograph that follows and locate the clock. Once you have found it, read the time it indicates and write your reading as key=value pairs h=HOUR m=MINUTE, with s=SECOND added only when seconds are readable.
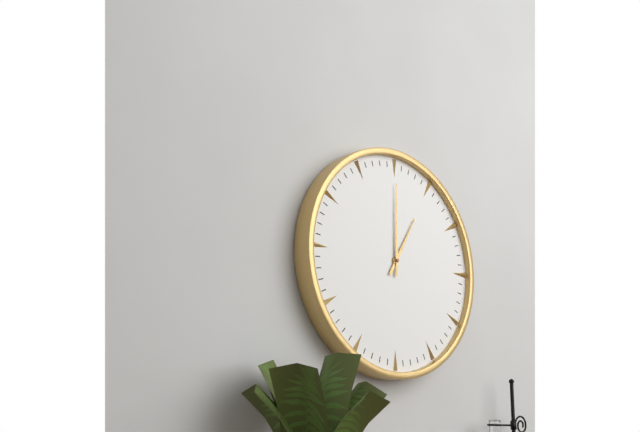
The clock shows h=1 m=0
